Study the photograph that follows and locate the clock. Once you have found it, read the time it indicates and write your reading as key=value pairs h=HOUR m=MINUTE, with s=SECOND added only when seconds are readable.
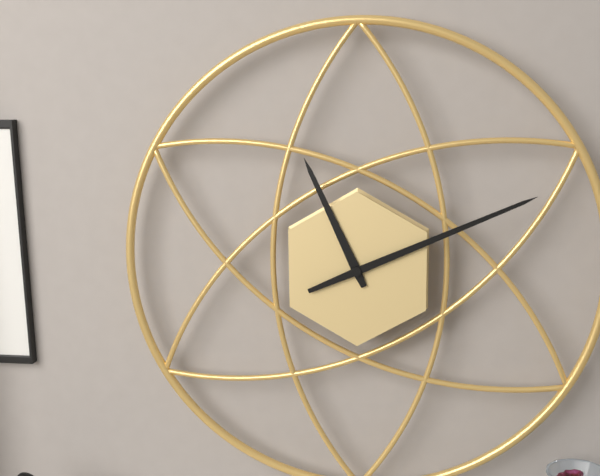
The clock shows h=11 m=11
